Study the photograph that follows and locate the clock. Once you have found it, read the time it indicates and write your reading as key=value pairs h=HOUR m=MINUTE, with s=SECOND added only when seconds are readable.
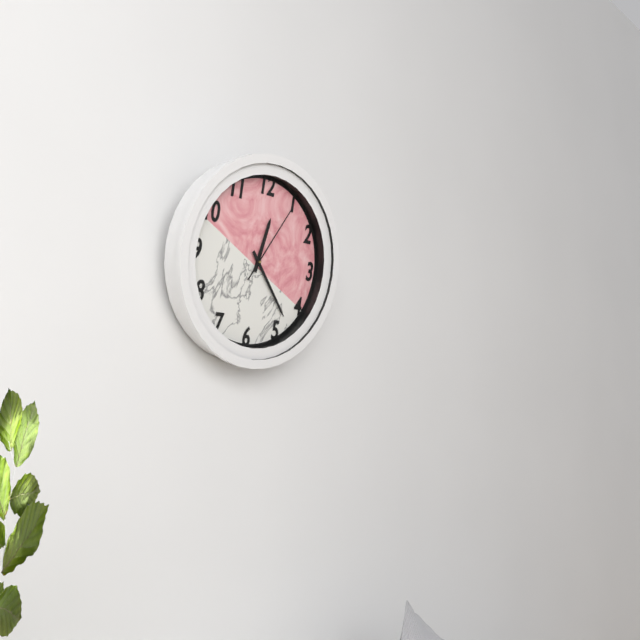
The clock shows h=12 m=23 s=5
